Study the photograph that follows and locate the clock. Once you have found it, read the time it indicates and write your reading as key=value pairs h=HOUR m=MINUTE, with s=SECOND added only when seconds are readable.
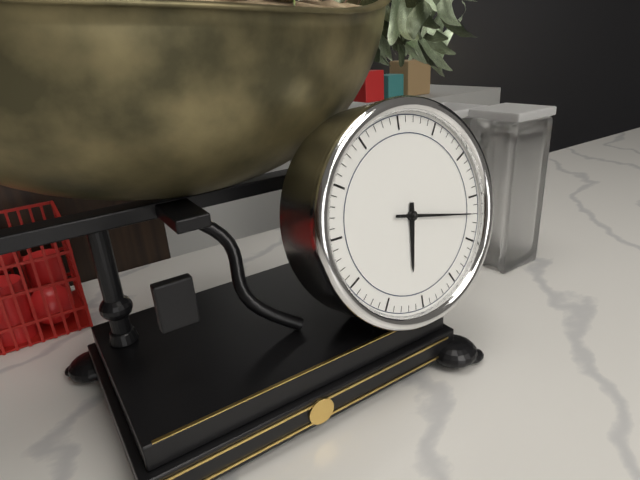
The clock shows h=6 m=17
